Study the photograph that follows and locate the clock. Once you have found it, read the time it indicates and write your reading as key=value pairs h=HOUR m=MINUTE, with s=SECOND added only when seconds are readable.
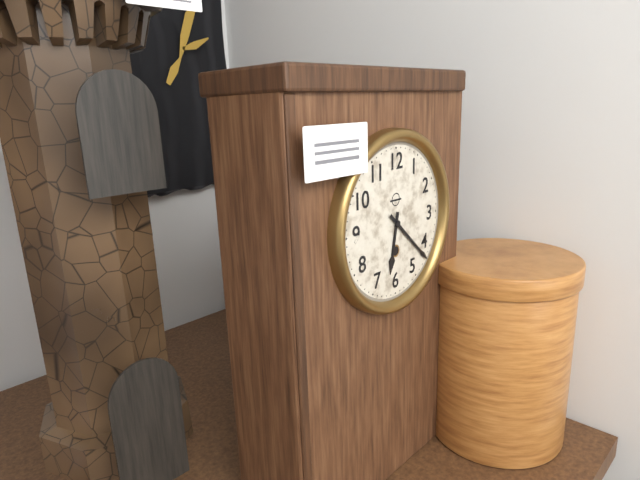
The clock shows h=6 m=22
